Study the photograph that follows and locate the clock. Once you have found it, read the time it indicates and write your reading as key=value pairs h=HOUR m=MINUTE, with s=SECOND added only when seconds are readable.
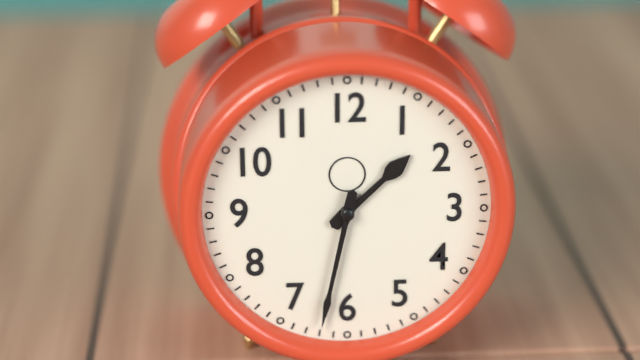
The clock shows h=1 m=32
